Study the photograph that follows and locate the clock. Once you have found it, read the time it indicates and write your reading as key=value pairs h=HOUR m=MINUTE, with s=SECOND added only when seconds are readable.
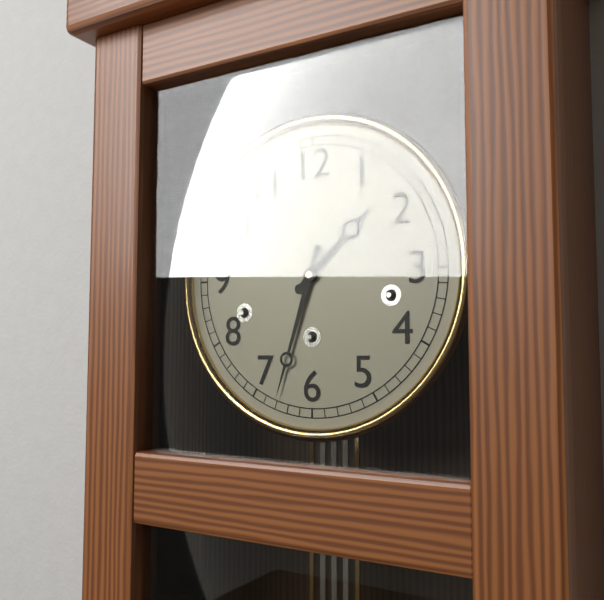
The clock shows h=1 m=33
